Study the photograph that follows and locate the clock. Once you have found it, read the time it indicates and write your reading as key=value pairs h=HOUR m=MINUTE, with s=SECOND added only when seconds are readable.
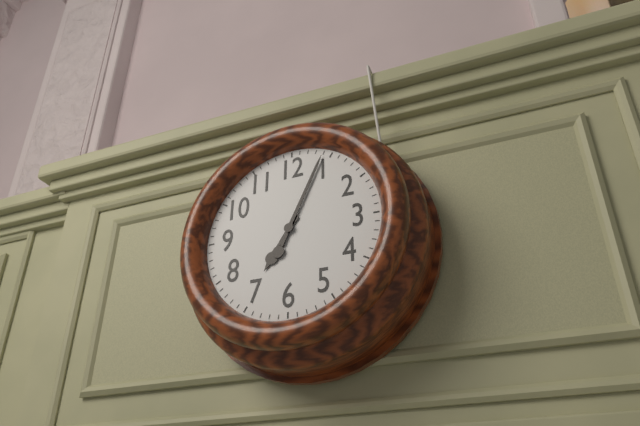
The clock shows h=7 m=4
